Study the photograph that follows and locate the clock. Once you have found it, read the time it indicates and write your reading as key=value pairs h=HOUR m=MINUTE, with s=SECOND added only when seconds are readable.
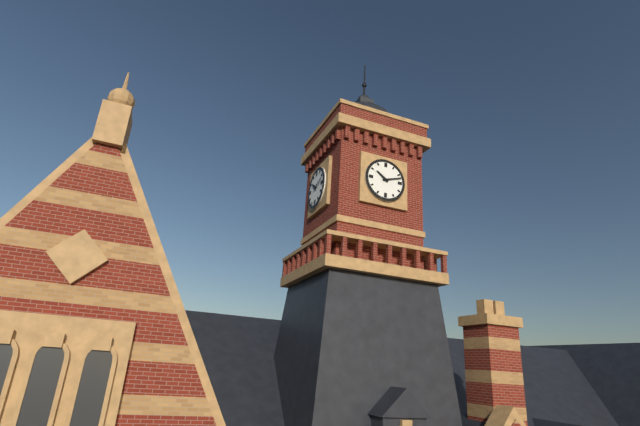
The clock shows h=10 m=12
